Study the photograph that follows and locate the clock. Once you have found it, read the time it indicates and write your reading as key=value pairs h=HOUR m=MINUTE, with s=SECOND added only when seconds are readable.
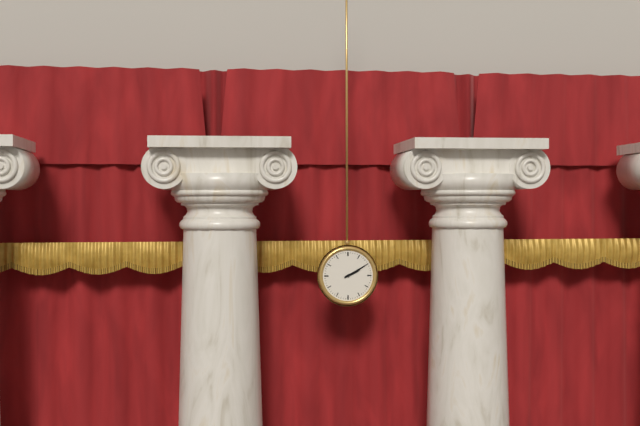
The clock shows h=2 m=10
